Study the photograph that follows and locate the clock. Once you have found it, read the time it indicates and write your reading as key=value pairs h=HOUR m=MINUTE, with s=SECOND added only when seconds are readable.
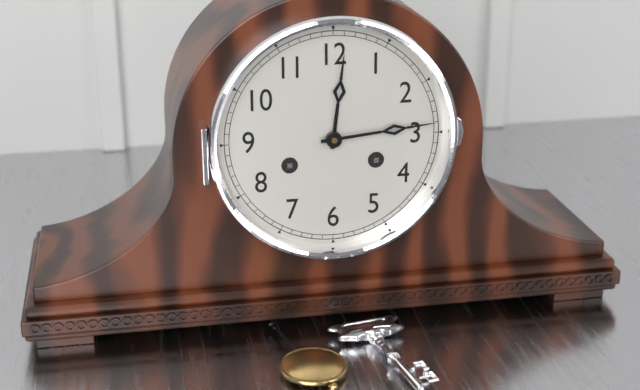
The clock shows h=12 m=14
